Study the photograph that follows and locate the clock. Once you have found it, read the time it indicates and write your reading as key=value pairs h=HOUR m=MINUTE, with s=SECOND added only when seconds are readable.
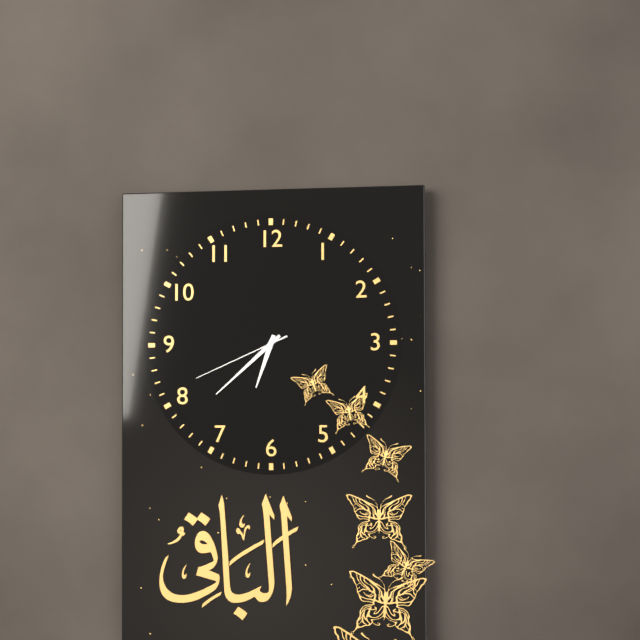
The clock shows h=6 m=38 s=41
